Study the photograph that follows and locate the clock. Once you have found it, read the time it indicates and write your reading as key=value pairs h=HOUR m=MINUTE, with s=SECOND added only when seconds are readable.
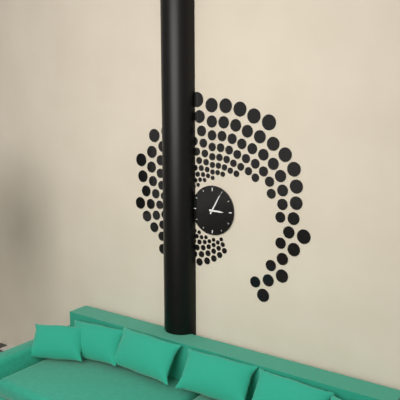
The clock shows h=3 m=5
